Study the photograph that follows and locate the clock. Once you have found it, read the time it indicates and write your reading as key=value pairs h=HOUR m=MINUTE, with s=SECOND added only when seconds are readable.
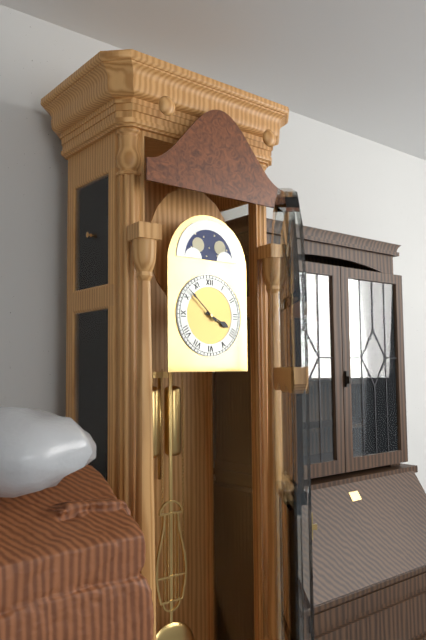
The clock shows h=3 m=52
